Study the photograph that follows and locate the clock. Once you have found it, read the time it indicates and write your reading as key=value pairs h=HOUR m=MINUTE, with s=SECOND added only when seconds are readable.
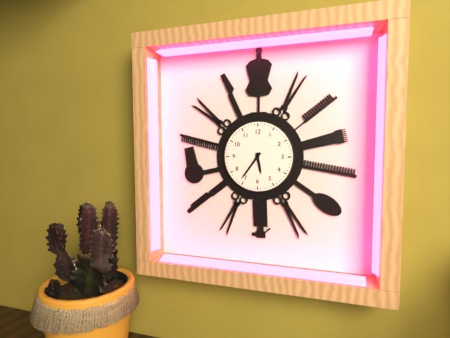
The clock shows h=5 m=36
